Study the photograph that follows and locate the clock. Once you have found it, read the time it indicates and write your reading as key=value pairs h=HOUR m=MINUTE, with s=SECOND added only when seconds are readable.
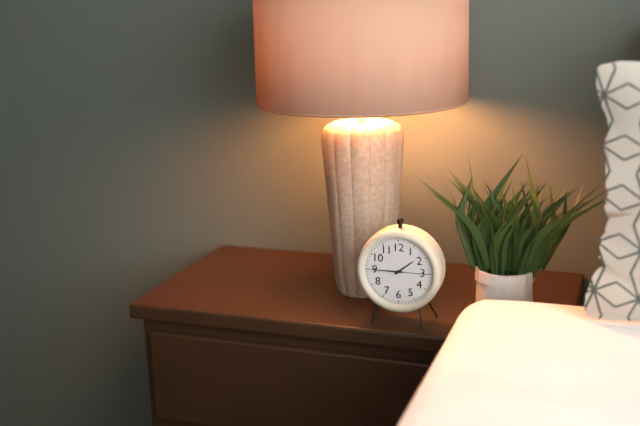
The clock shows h=1 m=45
